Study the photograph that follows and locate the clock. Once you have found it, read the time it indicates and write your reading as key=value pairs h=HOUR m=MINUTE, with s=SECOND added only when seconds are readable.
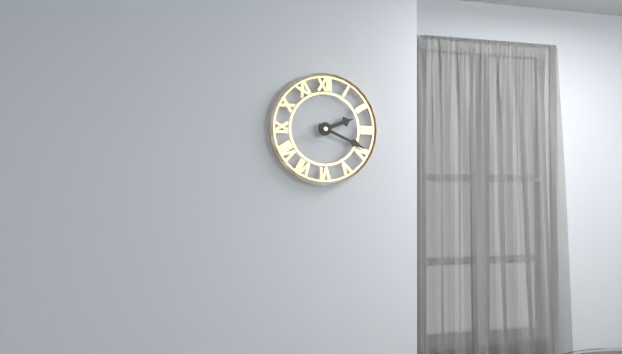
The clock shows h=2 m=19
